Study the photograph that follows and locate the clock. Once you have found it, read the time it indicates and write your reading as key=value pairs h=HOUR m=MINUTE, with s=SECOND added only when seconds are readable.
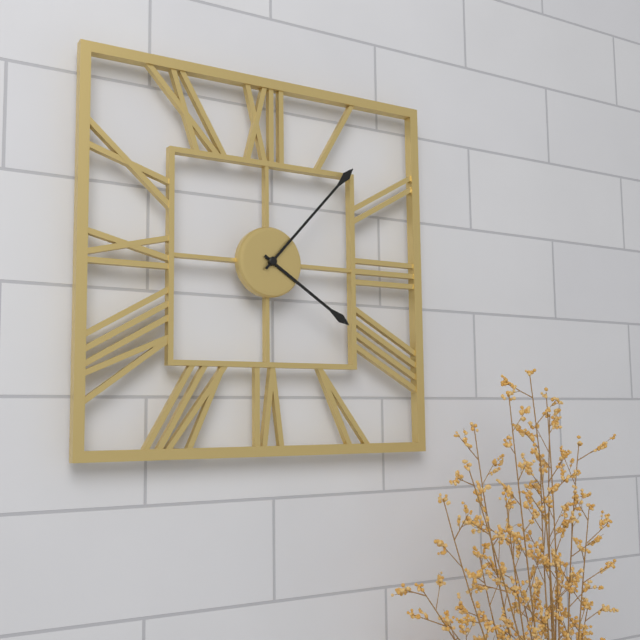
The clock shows h=4 m=7
